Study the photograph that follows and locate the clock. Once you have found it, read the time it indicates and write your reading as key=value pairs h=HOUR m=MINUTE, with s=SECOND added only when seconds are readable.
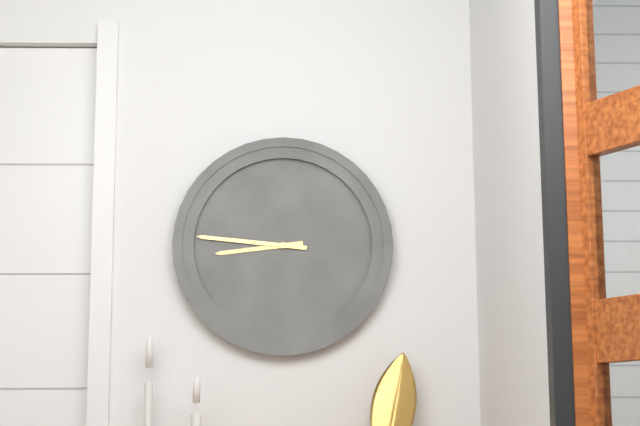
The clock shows h=8 m=46
